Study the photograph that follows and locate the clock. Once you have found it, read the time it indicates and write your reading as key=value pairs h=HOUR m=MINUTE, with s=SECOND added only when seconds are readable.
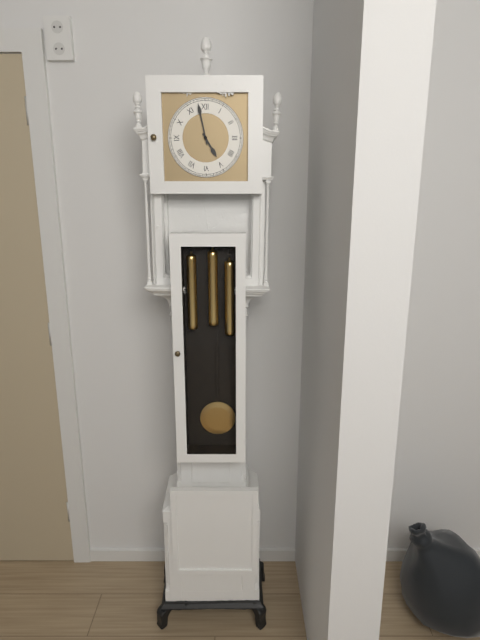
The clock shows h=4 m=58
